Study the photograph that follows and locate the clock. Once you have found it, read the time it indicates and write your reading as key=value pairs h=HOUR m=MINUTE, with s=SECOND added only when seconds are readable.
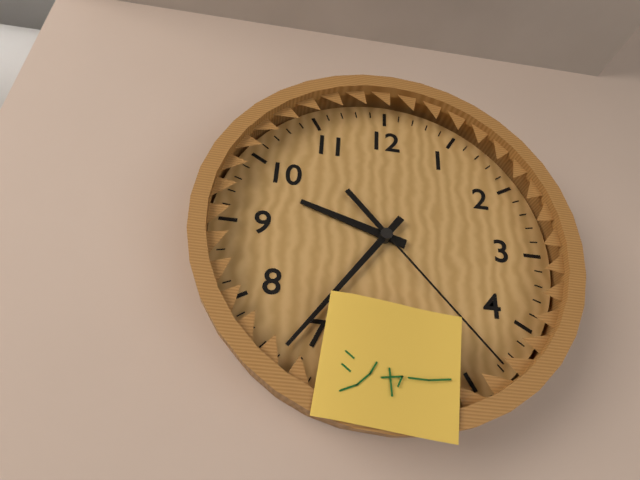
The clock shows h=9 m=36 s=23
